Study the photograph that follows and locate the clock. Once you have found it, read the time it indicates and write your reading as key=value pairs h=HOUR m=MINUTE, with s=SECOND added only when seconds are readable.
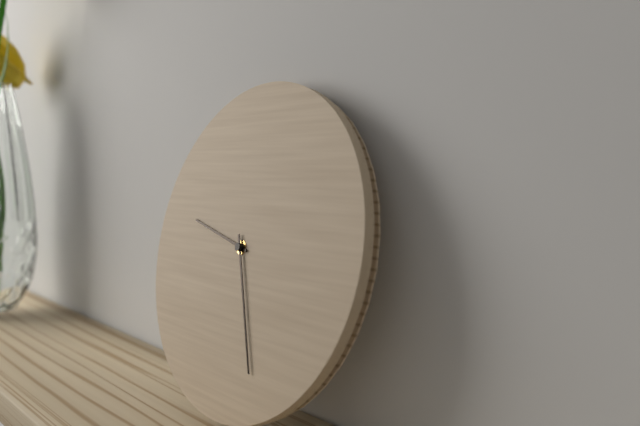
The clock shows h=9 m=26
